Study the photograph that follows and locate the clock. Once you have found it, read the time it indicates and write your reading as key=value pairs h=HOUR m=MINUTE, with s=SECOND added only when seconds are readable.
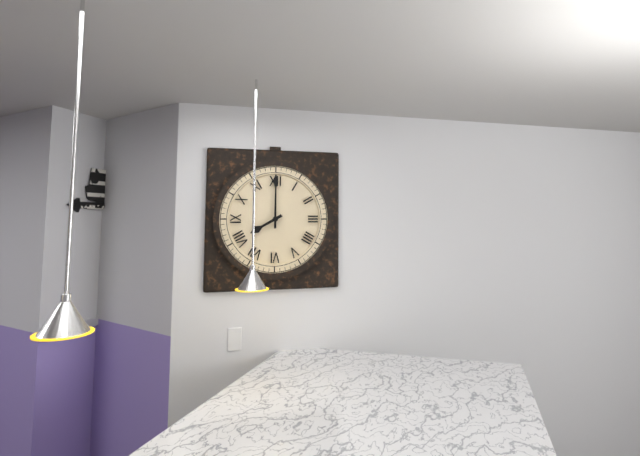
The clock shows h=8 m=0
